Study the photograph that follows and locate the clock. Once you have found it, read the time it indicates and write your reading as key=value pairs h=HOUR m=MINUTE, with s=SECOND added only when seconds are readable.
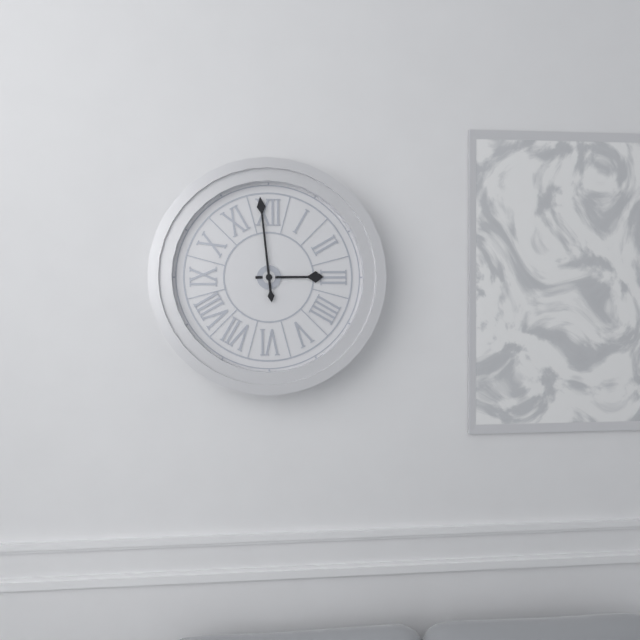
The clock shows h=2 m=59
